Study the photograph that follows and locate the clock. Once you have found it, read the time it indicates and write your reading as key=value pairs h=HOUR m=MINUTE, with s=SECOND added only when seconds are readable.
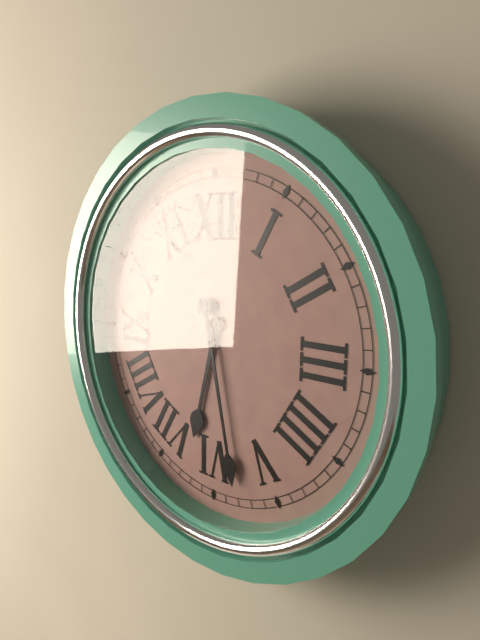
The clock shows h=6 m=28
